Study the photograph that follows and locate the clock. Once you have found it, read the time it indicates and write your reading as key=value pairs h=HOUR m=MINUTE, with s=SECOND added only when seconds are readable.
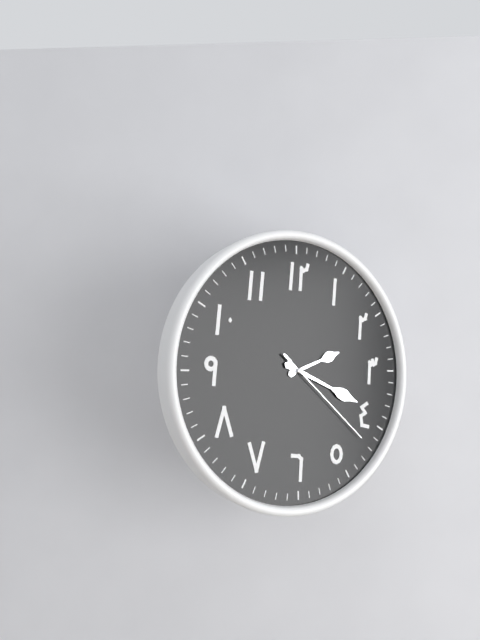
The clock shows h=2 m=19 s=22
